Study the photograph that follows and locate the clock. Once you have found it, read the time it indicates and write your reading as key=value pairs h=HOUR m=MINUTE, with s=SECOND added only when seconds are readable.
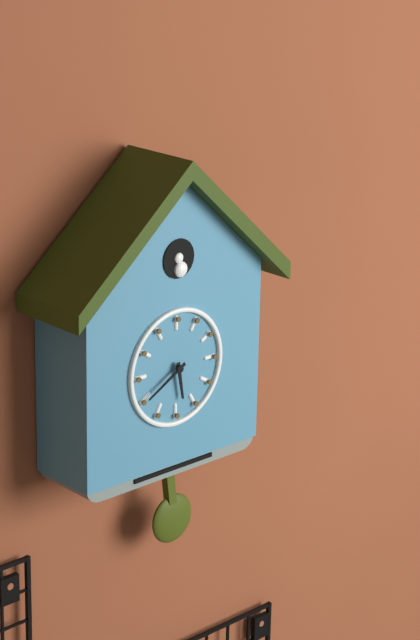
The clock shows h=5 m=40
